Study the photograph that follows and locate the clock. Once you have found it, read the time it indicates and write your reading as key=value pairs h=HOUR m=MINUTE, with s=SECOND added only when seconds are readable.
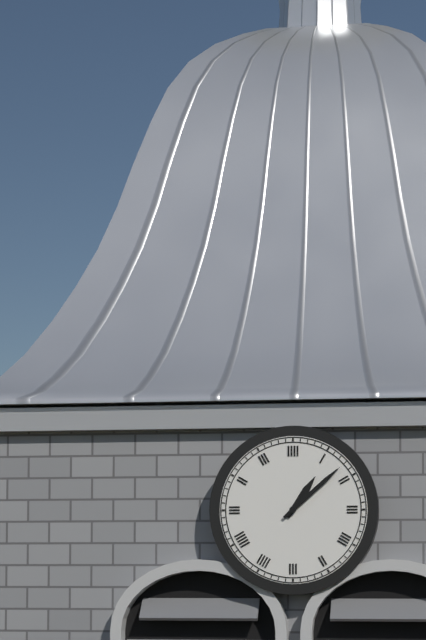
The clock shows h=1 m=8
